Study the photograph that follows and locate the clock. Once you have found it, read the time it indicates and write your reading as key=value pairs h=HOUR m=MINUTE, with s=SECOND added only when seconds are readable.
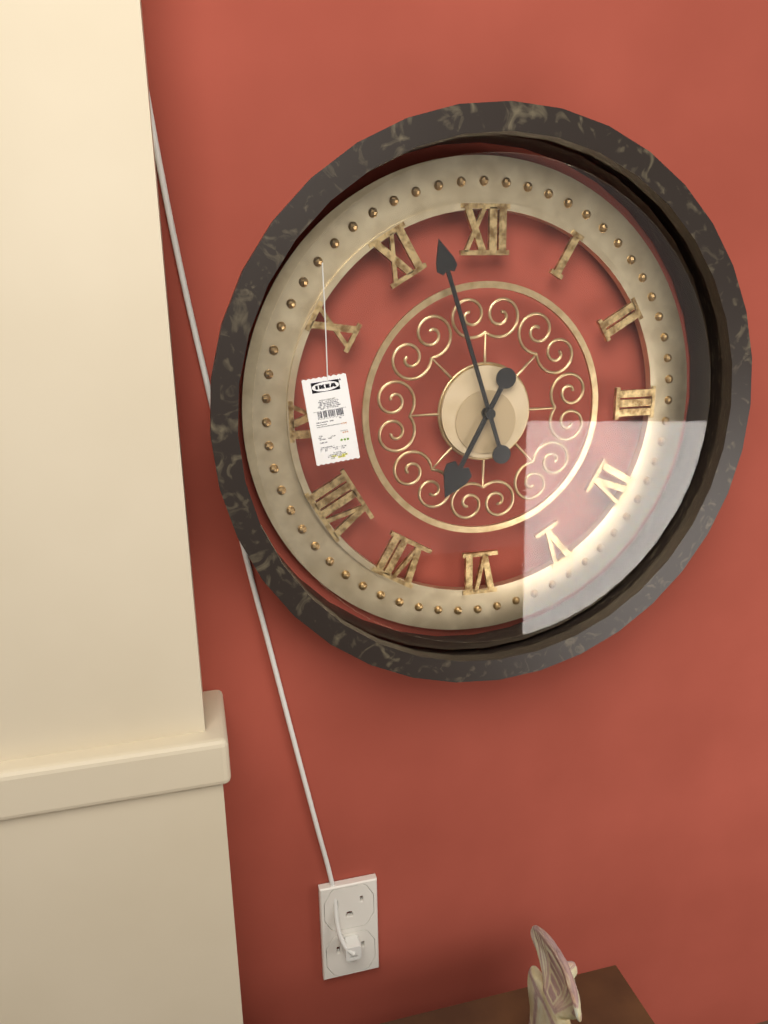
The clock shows h=6 m=57
